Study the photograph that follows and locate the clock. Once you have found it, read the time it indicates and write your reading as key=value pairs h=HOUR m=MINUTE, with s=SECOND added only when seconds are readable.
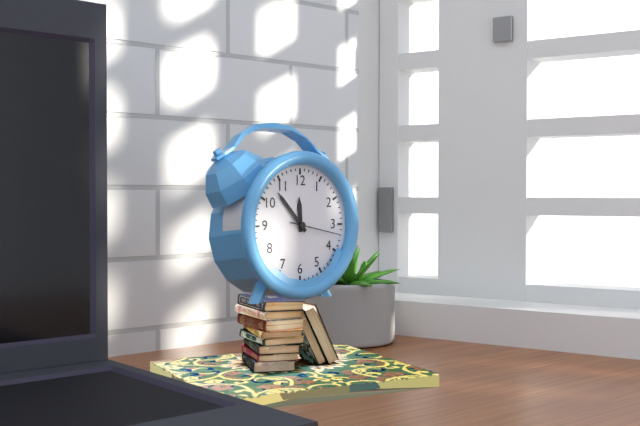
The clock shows h=11 m=53
